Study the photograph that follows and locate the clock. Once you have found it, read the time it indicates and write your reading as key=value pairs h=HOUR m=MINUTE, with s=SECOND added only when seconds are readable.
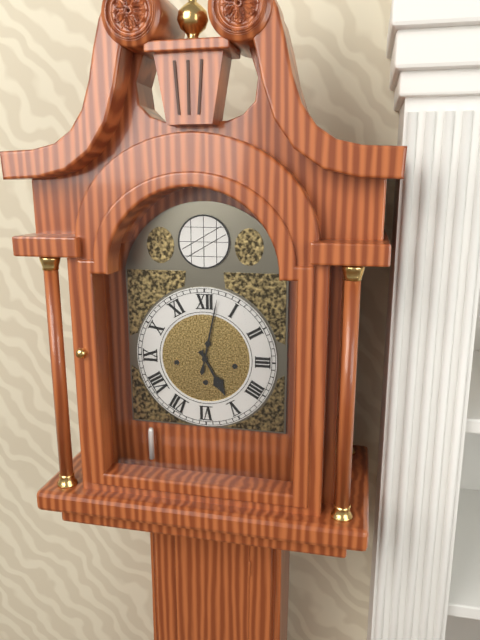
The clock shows h=5 m=2
